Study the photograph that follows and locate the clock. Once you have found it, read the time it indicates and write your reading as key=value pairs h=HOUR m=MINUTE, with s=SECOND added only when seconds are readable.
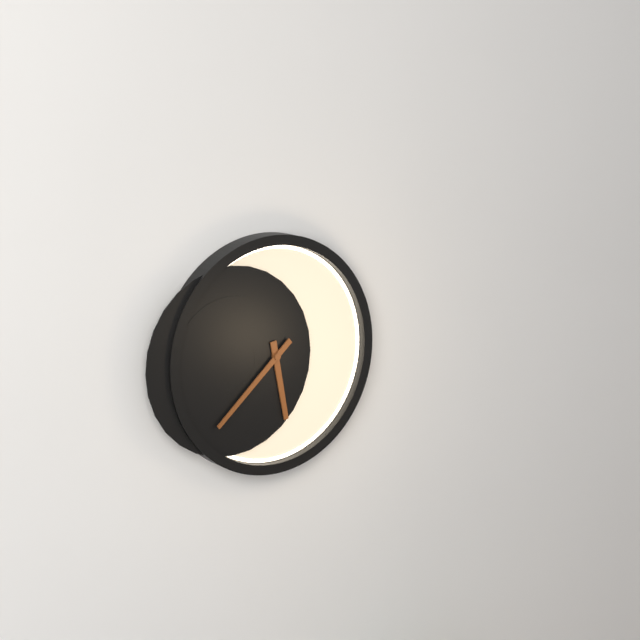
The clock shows h=5 m=38
